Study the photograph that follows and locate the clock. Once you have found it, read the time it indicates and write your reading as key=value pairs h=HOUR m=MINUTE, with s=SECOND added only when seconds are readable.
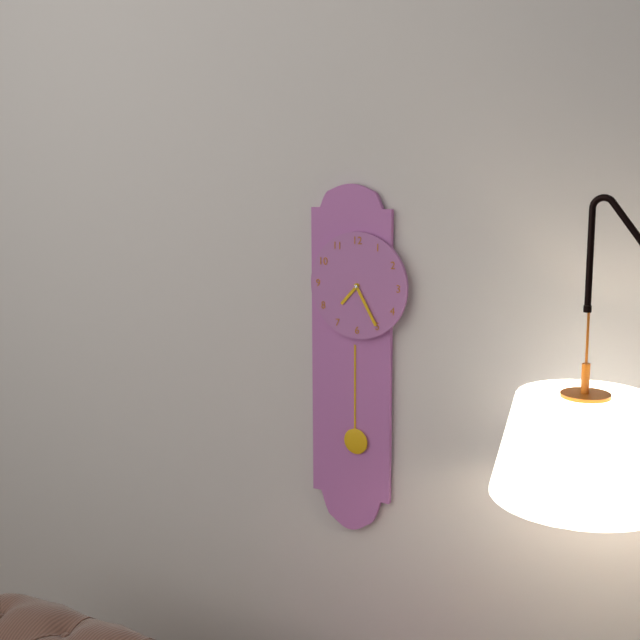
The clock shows h=7 m=25
